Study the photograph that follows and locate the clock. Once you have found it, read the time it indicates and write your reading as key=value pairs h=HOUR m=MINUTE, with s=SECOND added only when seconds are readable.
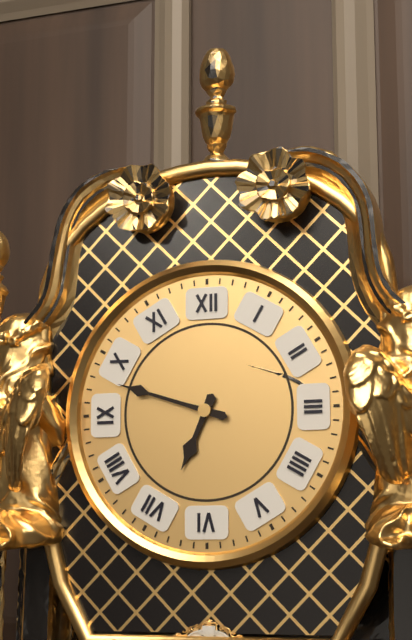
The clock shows h=6 m=48
